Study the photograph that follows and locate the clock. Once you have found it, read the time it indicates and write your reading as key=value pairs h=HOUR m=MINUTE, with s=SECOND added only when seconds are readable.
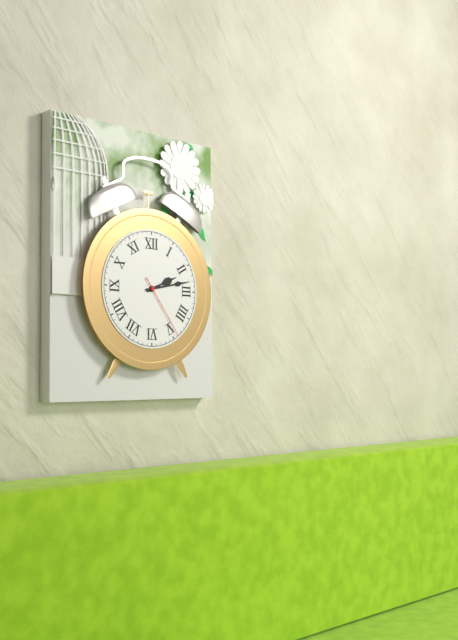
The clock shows h=2 m=13 s=24
